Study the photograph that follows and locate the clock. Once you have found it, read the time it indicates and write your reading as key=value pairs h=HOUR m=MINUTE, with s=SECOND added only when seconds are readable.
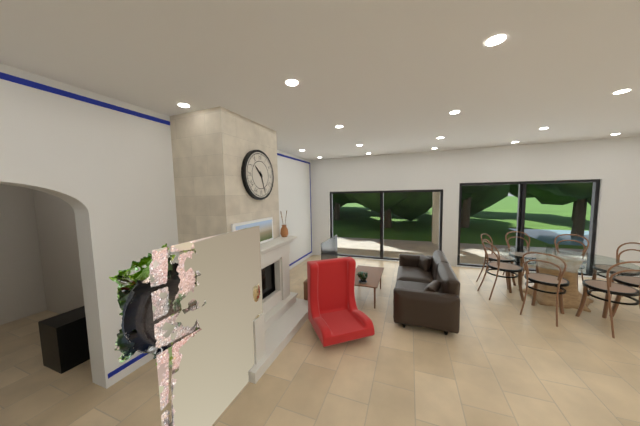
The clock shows h=10 m=27
